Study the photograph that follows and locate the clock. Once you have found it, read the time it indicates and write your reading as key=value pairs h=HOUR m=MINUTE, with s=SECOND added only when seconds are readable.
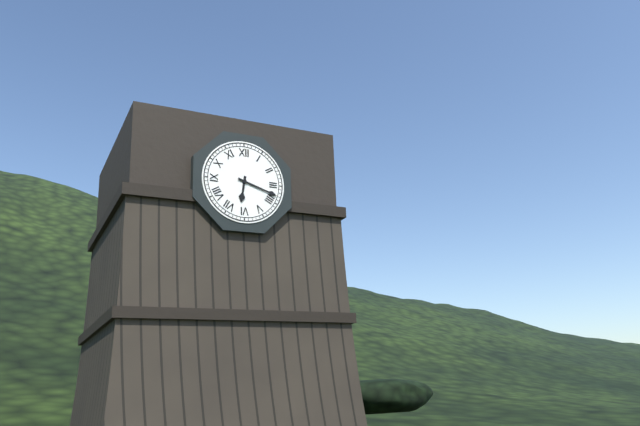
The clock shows h=6 m=18
